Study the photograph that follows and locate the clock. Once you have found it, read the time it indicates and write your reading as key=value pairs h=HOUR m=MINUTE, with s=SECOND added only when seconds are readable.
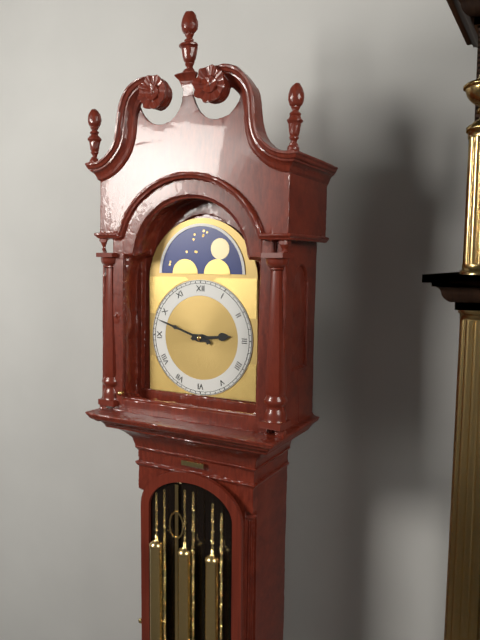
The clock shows h=2 m=48
